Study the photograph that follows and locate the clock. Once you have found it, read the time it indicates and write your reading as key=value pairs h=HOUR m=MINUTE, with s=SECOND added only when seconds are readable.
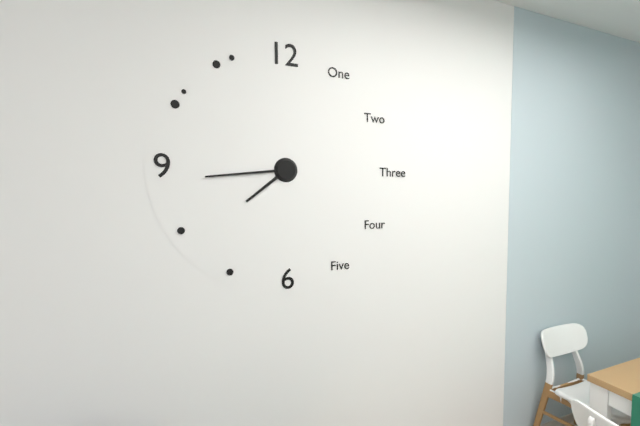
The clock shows h=7 m=44
